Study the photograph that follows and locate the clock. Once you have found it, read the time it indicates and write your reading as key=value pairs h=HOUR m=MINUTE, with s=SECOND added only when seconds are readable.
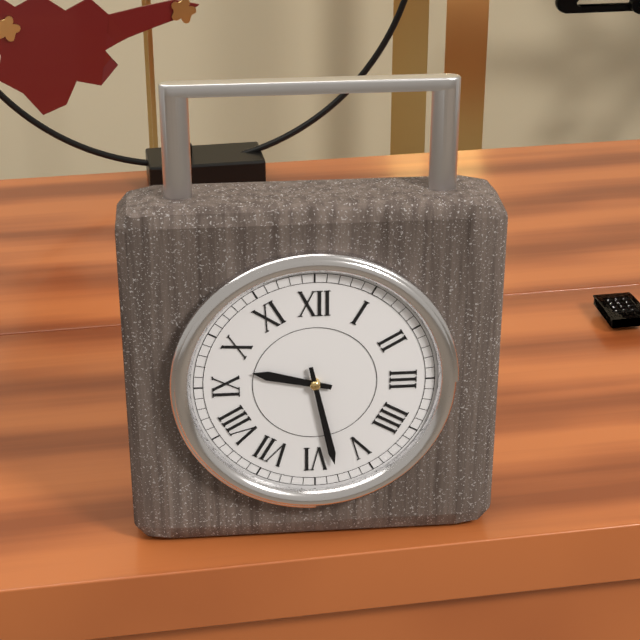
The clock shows h=9 m=28
